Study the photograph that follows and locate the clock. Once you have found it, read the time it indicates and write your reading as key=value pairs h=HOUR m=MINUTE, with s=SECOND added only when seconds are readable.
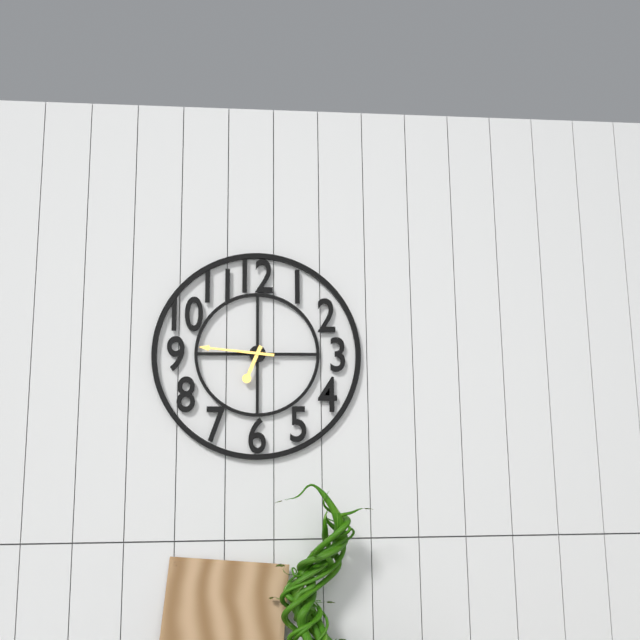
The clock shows h=6 m=46
